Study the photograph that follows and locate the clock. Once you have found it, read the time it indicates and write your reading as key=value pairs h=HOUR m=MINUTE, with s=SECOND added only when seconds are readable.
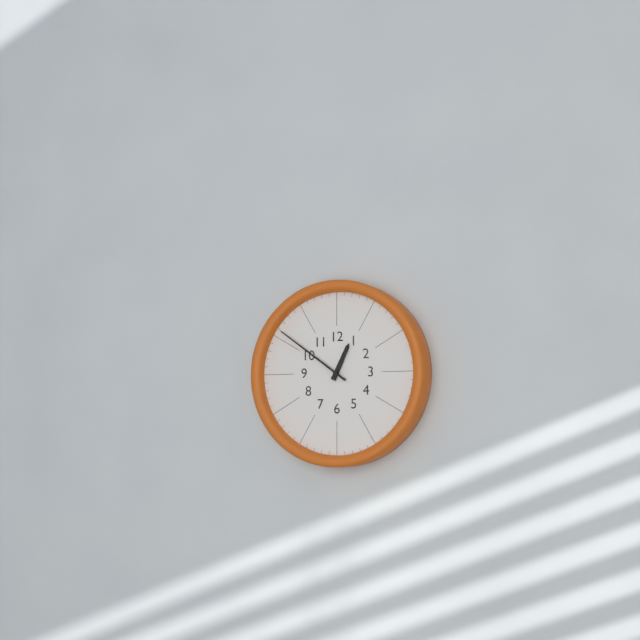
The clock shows h=12 m=51
